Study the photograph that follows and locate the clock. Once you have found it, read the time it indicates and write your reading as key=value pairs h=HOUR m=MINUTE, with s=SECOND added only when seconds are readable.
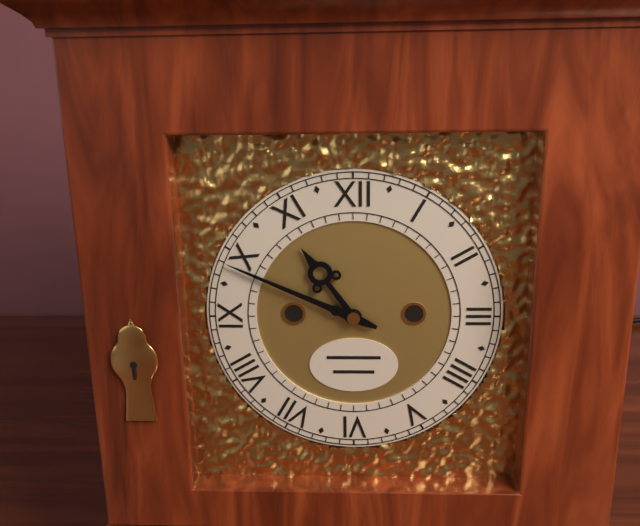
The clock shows h=10 m=49
